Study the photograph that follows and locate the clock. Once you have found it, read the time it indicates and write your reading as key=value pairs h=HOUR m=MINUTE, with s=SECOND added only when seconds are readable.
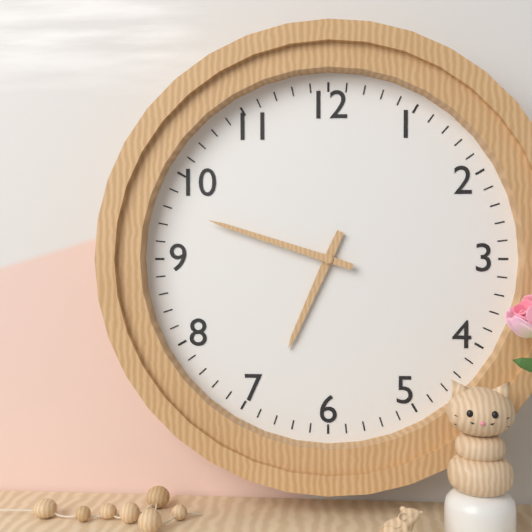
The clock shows h=6 m=48
